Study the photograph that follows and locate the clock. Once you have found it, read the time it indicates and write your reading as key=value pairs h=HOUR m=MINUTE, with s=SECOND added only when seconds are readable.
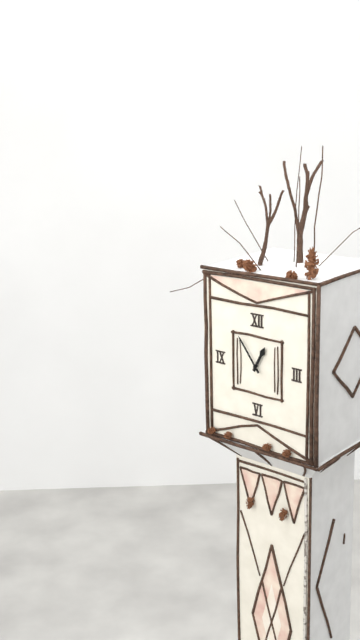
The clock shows h=12 m=54
